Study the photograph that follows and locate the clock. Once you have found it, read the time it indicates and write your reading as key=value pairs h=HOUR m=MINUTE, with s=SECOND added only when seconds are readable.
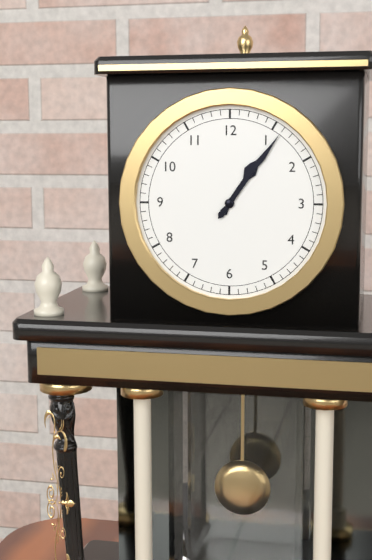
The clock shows h=1 m=6
